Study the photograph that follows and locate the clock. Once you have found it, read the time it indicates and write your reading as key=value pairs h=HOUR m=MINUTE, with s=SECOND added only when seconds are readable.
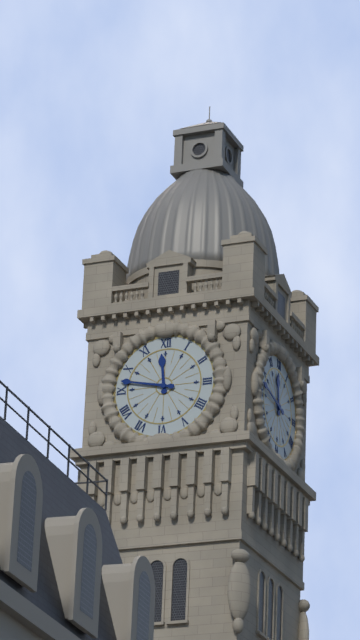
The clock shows h=11 m=47
